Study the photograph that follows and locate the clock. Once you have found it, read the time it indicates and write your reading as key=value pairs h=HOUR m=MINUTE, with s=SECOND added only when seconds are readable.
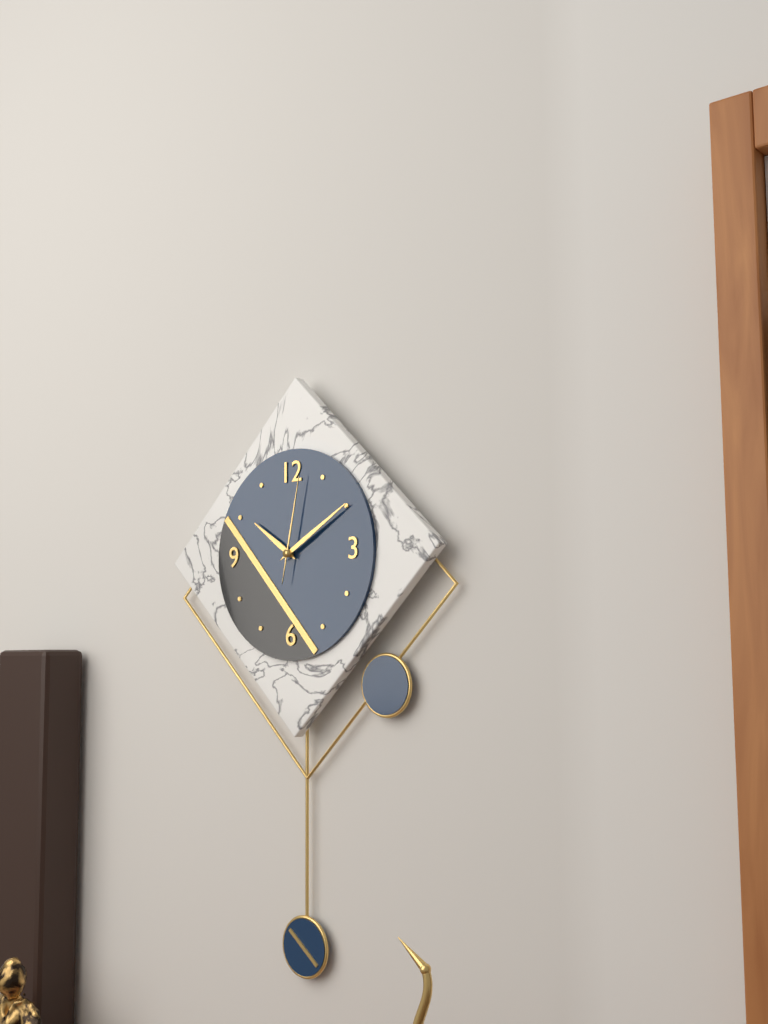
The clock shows h=10 m=10 s=2
